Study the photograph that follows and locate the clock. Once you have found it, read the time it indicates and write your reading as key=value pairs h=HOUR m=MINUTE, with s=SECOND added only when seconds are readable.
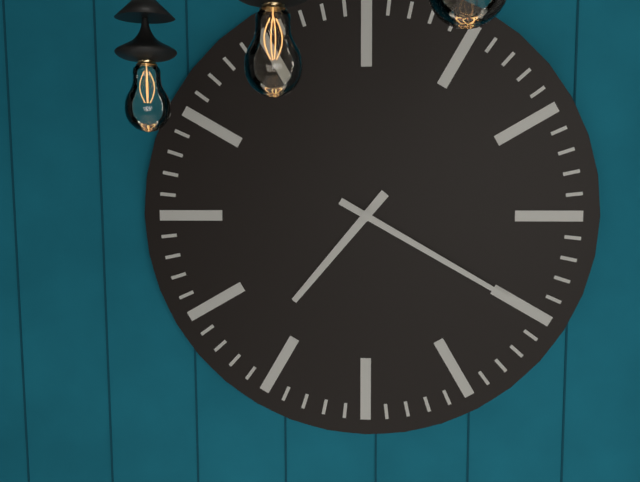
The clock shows h=7 m=20
